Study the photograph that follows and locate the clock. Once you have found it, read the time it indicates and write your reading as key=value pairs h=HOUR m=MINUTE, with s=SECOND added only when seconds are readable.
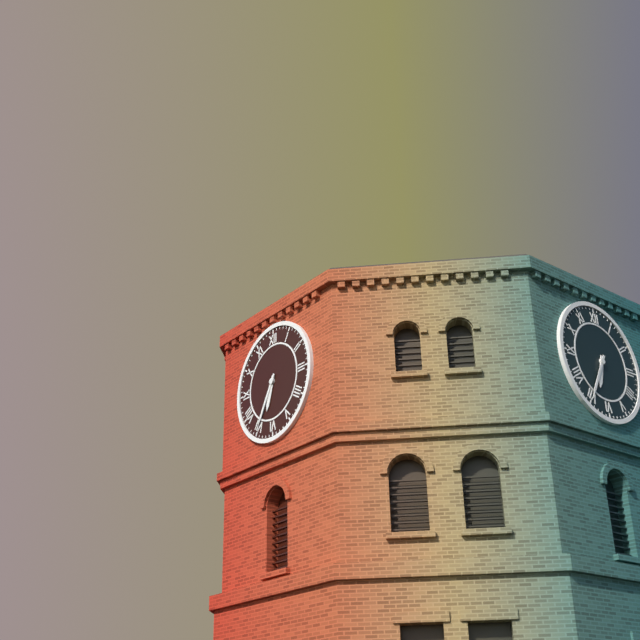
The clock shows h=6 m=35
